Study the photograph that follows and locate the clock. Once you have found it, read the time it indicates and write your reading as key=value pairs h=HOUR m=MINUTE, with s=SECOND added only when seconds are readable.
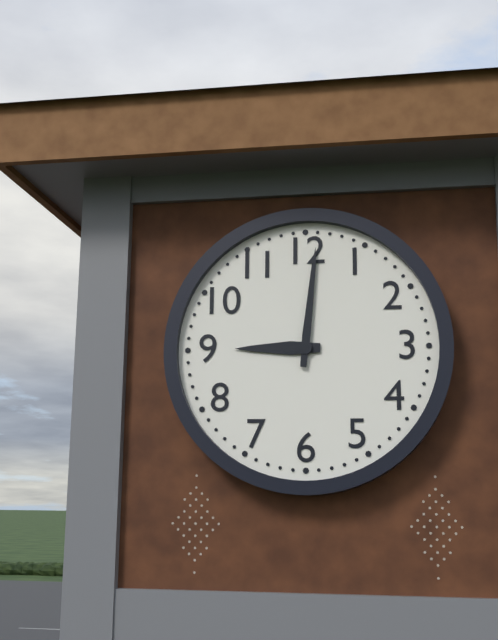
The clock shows h=9 m=1
